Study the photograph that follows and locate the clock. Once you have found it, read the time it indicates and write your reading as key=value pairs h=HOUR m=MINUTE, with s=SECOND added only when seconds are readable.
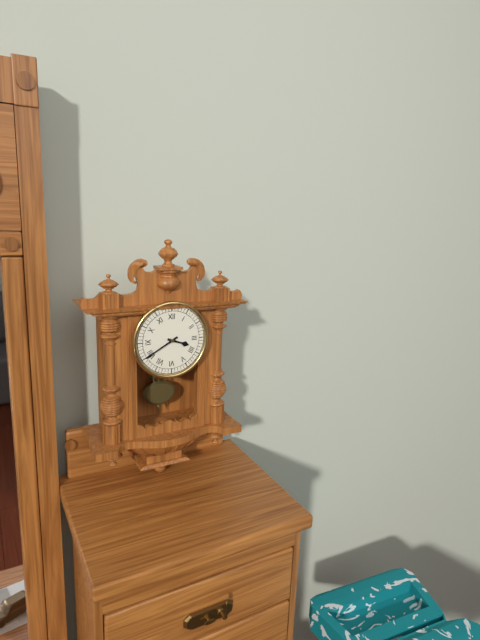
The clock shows h=3 m=40
